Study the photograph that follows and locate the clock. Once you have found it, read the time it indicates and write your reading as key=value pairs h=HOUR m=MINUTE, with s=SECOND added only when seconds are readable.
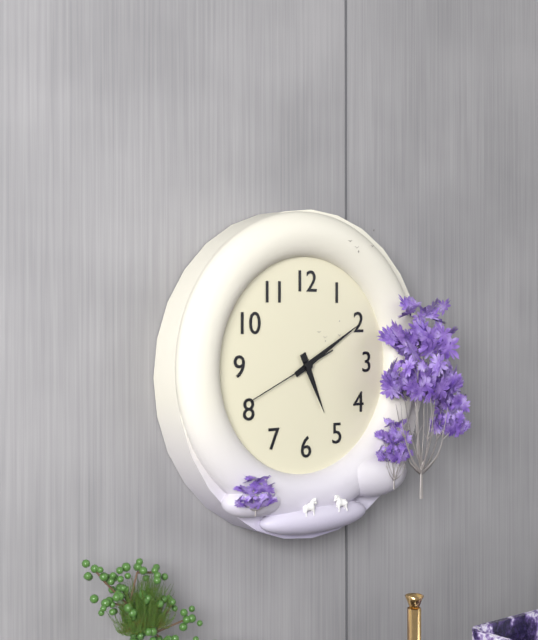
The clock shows h=5 m=10 s=41
